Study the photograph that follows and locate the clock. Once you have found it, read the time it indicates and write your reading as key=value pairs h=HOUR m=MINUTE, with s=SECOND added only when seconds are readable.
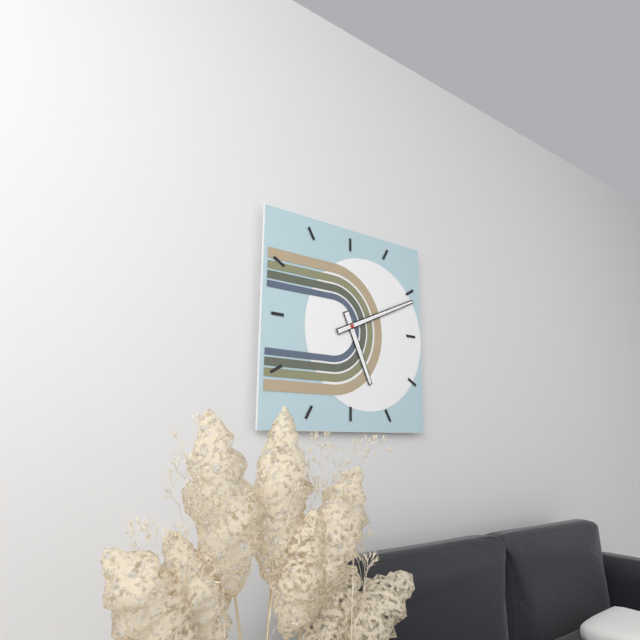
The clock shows h=5 m=11
